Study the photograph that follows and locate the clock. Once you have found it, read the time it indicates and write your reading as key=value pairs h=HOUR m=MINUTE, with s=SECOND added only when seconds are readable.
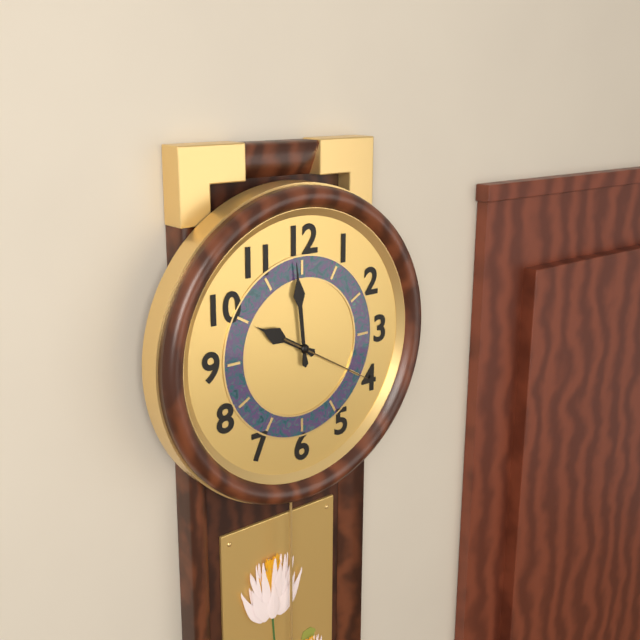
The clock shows h=9 m=59 s=20
